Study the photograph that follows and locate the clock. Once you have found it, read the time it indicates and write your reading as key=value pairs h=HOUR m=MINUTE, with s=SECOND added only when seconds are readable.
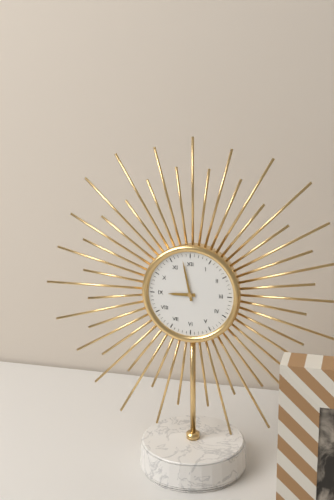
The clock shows h=8 m=58
